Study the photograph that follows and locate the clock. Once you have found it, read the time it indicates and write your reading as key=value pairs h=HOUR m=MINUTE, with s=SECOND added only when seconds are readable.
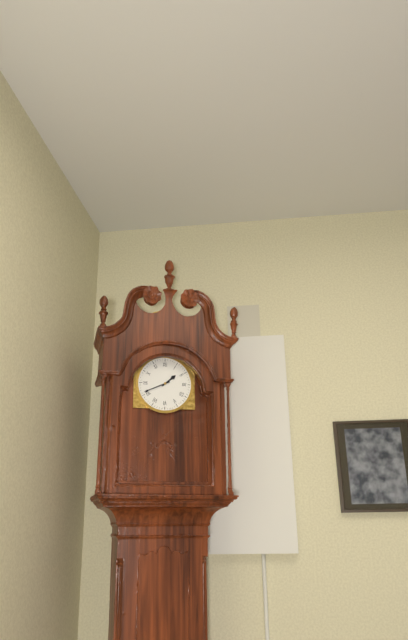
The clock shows h=1 m=41
